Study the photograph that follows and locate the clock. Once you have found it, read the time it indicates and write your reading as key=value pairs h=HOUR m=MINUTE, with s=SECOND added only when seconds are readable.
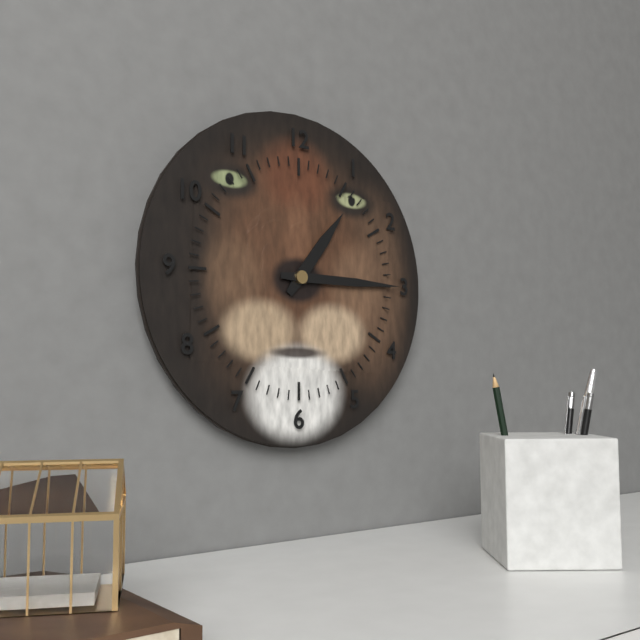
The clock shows h=1 m=15
